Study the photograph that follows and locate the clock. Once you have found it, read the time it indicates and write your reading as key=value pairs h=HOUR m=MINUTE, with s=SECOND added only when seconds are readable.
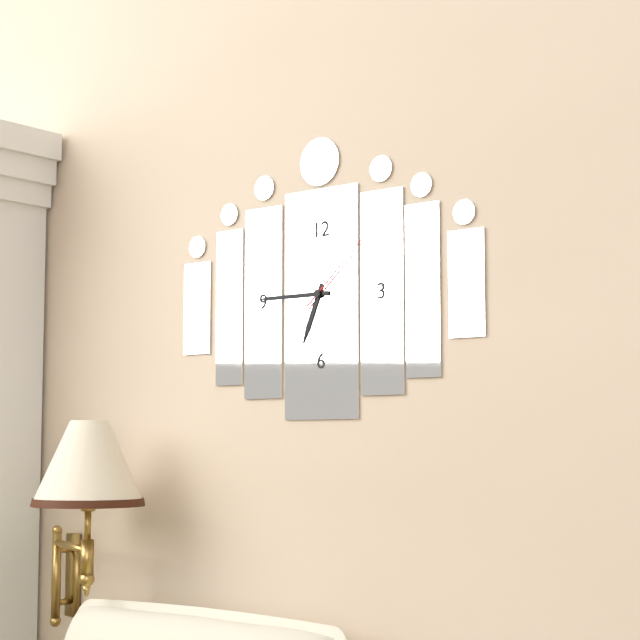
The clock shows h=6 m=45 s=8
